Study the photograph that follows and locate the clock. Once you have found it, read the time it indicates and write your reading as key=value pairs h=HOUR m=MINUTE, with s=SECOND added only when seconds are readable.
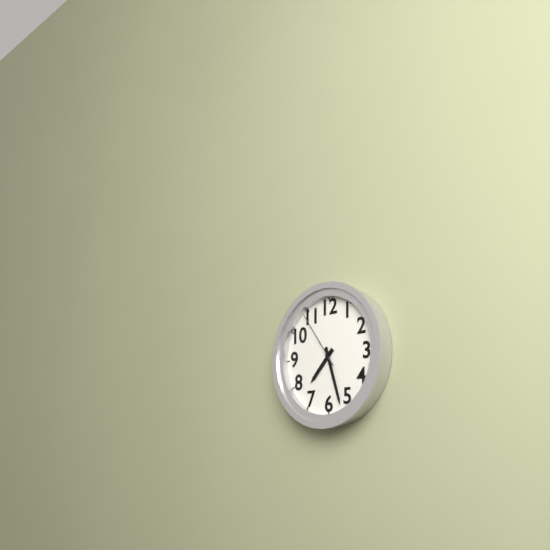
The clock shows h=7 m=27 s=54
